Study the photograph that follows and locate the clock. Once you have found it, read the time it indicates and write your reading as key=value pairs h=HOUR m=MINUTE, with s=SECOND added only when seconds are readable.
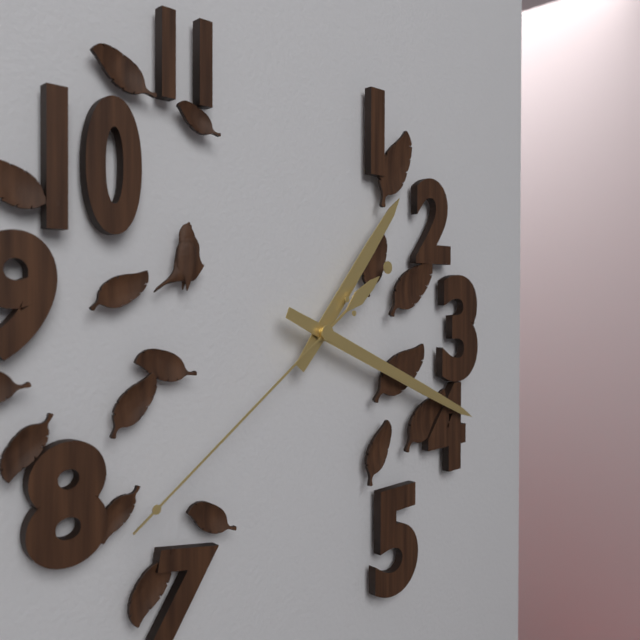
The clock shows h=1 m=19 s=39
